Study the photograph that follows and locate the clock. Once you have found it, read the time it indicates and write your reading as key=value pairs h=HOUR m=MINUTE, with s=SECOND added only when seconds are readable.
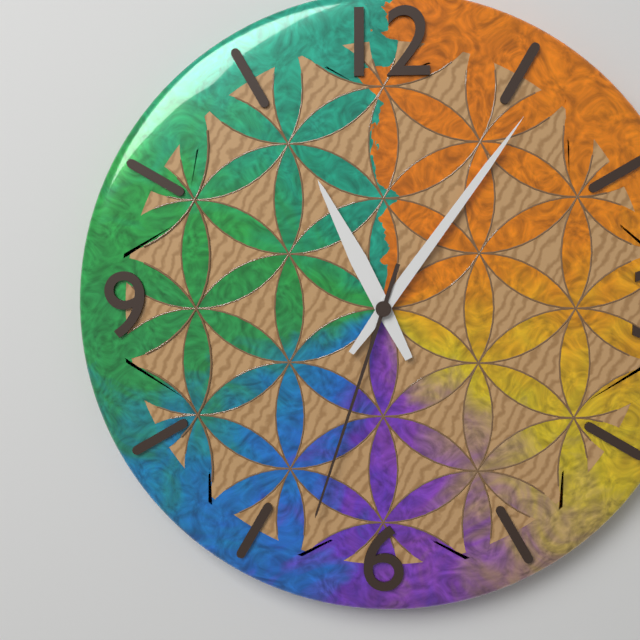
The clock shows h=11 m=6 s=33
